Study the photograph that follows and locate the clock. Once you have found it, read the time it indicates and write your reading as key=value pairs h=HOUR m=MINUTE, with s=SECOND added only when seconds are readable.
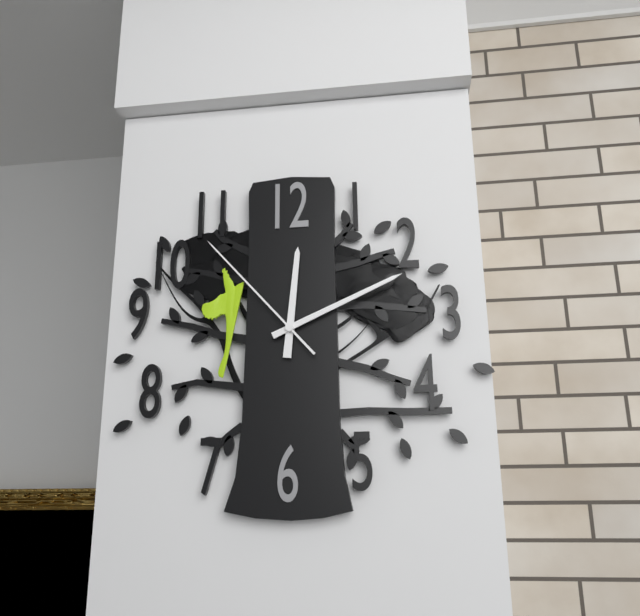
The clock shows h=12 m=11 s=53
